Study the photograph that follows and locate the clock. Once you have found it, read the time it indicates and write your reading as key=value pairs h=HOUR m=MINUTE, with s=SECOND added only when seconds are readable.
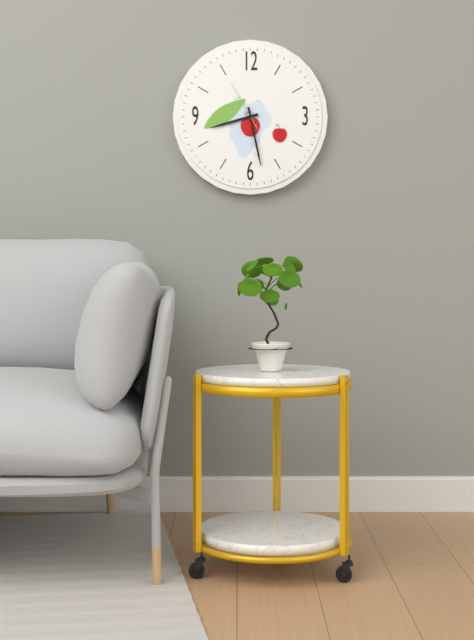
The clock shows h=8 m=28
